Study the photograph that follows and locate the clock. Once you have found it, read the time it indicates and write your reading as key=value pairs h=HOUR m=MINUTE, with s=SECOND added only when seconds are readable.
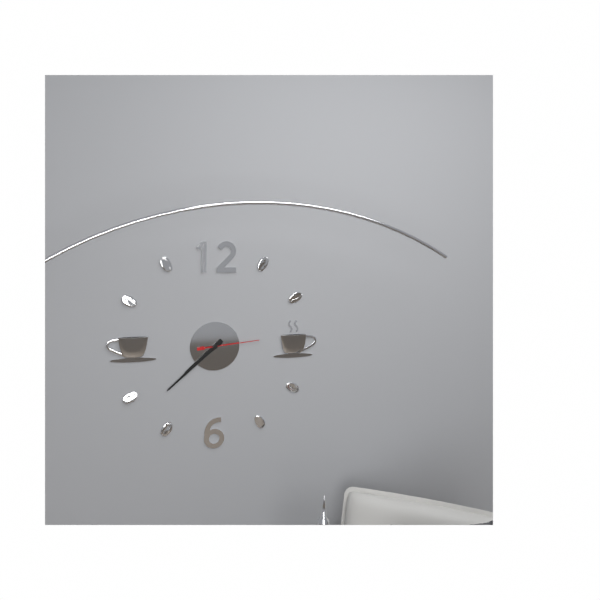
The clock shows h=7 m=38 s=14
